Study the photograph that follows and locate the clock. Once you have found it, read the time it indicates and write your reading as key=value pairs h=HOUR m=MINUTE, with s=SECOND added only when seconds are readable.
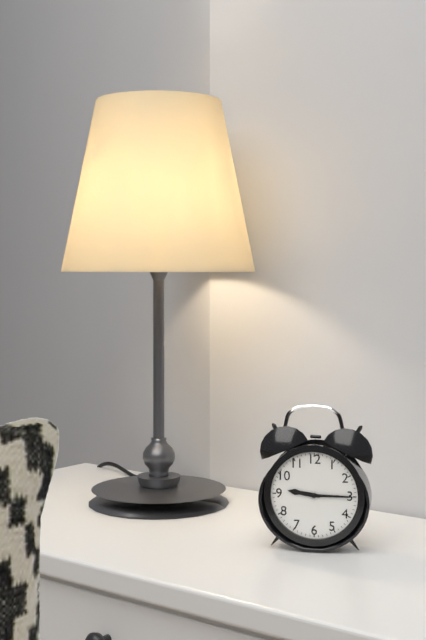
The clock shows h=9 m=15
